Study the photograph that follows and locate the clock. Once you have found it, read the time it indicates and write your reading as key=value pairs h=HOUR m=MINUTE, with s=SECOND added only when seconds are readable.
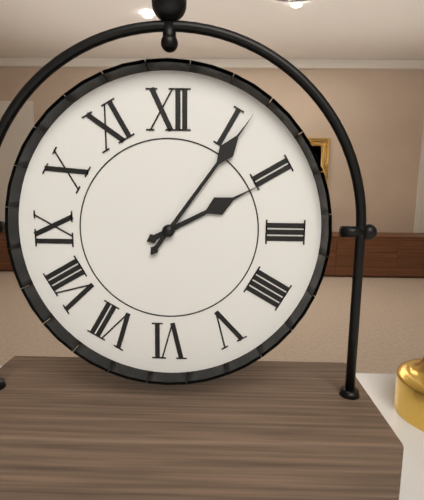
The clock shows h=2 m=6
